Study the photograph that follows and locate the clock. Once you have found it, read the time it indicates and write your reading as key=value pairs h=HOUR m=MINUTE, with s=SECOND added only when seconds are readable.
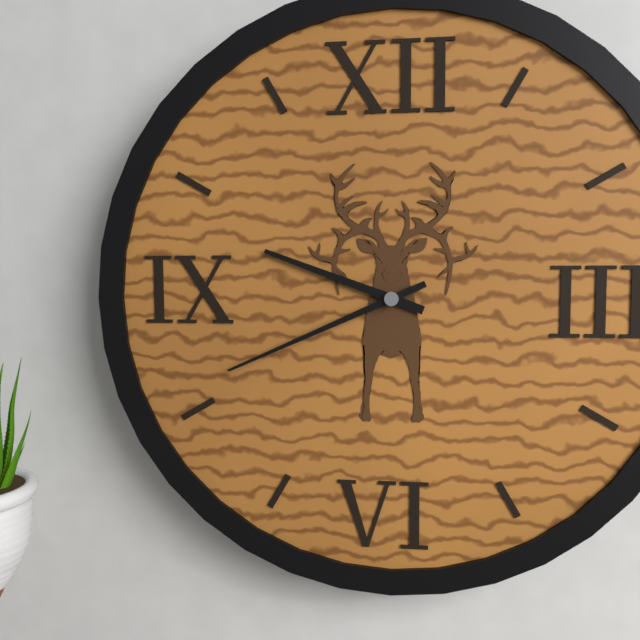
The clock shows h=9 m=41
